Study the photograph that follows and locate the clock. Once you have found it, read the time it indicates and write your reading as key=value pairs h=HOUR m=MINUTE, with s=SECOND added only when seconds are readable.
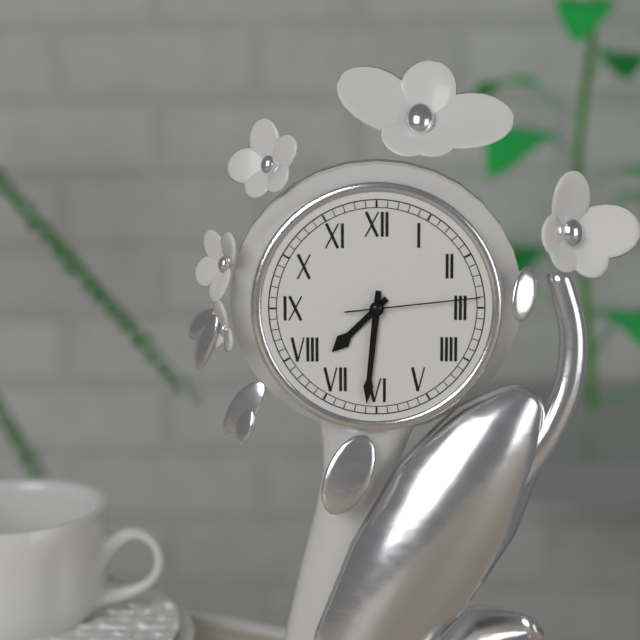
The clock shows h=7 m=31 s=14
